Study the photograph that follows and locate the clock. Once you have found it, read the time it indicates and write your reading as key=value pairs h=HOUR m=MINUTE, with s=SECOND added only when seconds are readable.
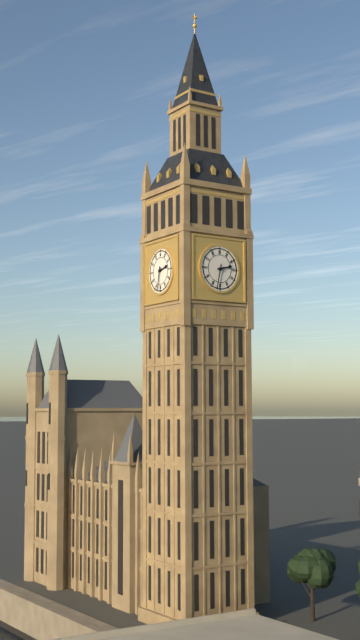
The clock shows h=2 m=32
